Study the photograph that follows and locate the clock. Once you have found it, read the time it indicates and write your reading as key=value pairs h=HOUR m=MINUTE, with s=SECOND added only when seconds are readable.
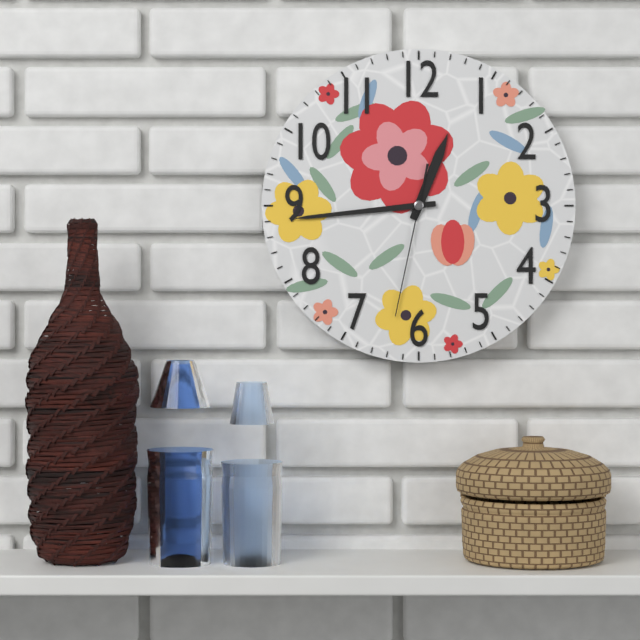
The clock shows h=12 m=44 s=32
